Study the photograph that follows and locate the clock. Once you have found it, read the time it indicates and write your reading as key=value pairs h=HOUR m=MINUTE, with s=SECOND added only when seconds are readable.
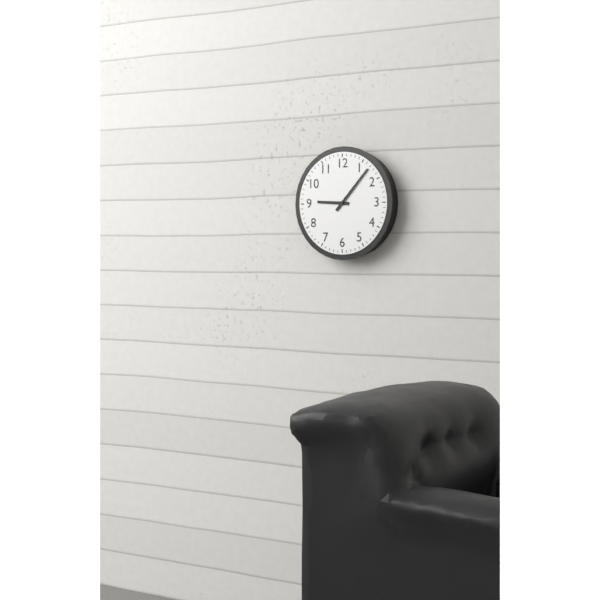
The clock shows h=9 m=7
